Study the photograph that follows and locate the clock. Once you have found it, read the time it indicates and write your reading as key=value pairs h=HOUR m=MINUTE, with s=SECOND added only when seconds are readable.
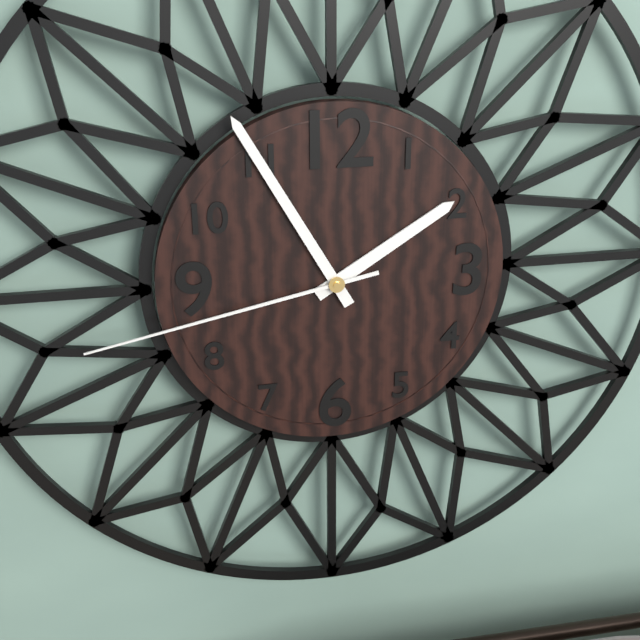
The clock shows h=1 m=55 s=43
